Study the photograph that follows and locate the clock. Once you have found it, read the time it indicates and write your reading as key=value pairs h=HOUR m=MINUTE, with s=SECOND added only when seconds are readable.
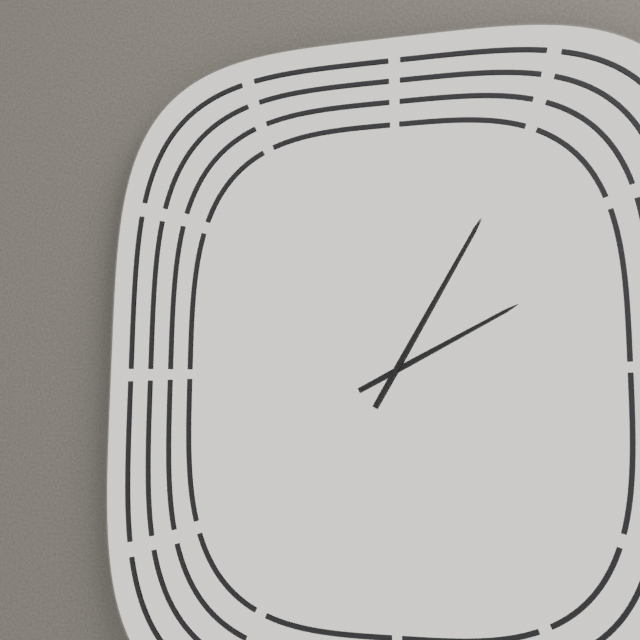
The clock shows h=2 m=5
